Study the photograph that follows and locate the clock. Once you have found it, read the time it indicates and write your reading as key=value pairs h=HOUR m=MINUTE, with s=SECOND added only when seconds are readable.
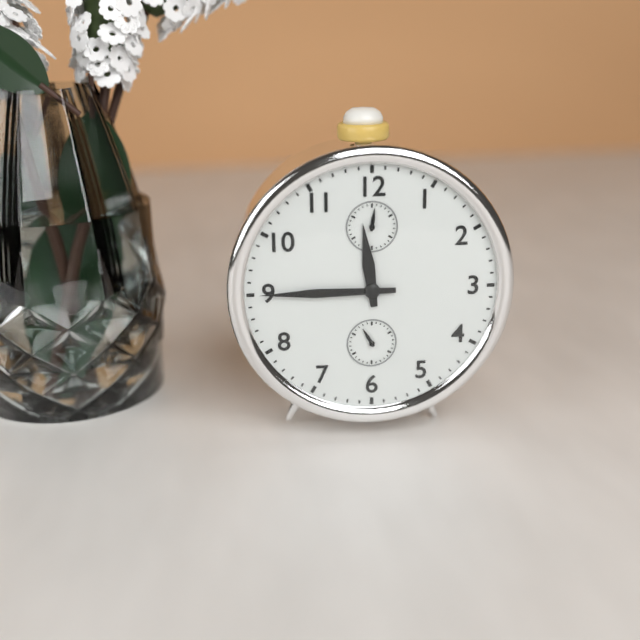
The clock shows h=11 m=45
